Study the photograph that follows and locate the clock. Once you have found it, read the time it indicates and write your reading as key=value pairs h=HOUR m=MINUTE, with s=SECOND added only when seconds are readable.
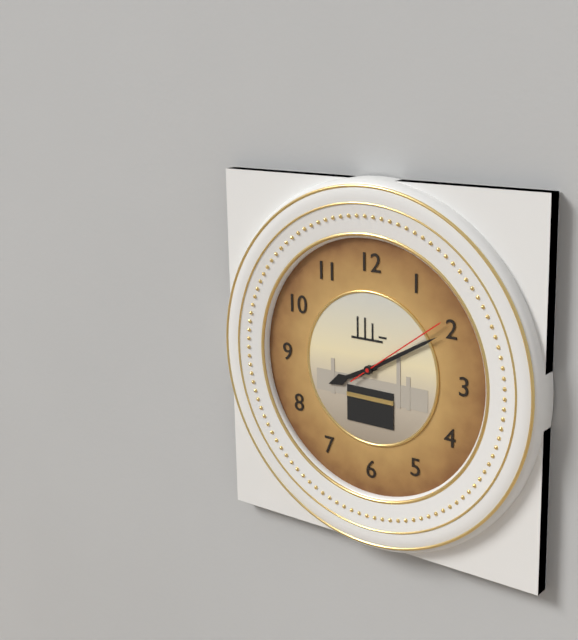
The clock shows h=8 m=10 s=9
